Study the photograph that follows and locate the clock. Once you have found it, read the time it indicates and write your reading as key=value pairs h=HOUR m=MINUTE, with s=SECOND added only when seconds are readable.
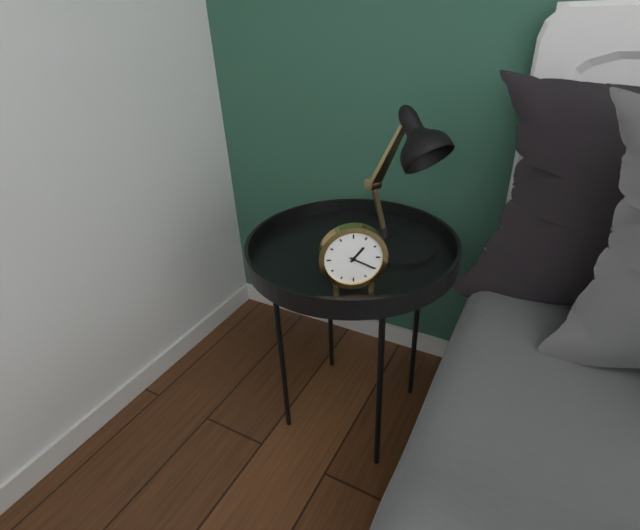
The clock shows h=1 m=20
